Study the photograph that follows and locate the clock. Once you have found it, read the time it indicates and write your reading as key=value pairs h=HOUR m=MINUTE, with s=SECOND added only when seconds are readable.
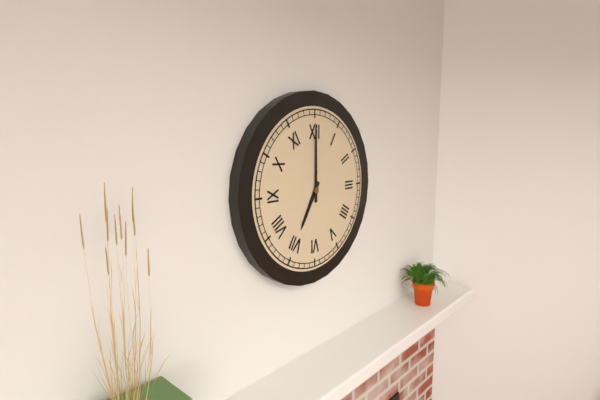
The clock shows h=7 m=0
